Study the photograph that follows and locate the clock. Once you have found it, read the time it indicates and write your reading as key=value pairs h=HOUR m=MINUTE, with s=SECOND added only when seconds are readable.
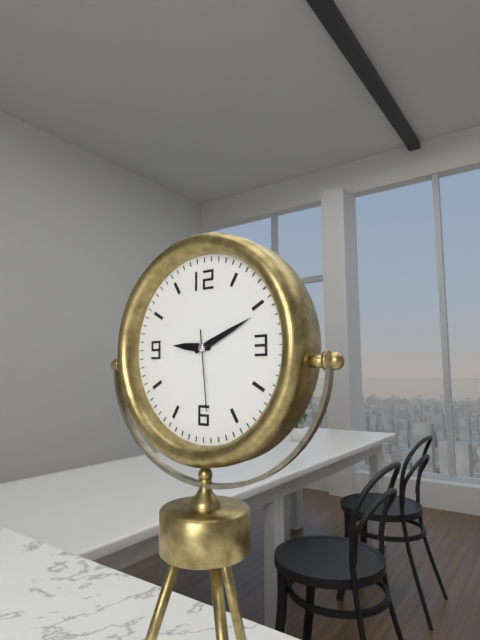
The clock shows h=9 m=11 s=29
